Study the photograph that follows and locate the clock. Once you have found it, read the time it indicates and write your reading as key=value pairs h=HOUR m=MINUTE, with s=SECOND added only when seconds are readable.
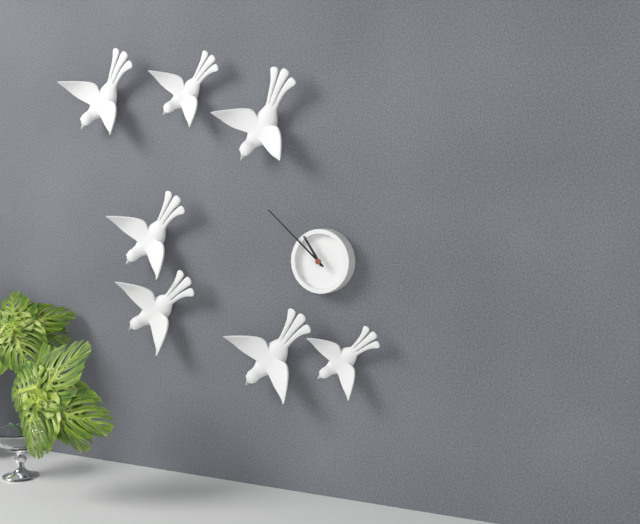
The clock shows h=10 m=52
